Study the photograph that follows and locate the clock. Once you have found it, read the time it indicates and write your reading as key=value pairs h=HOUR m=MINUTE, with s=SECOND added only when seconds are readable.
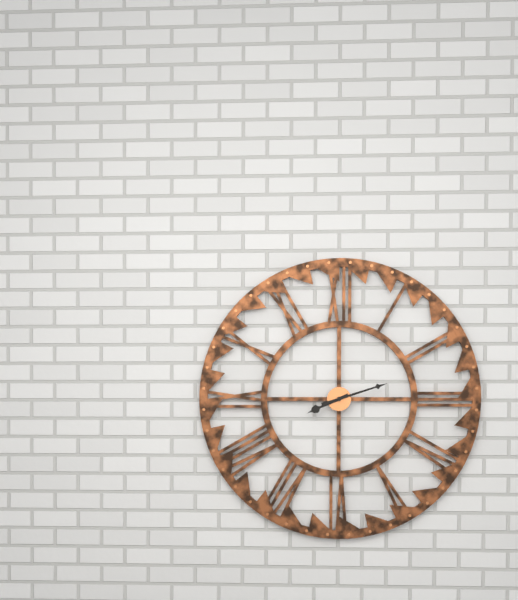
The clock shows h=8 m=12
